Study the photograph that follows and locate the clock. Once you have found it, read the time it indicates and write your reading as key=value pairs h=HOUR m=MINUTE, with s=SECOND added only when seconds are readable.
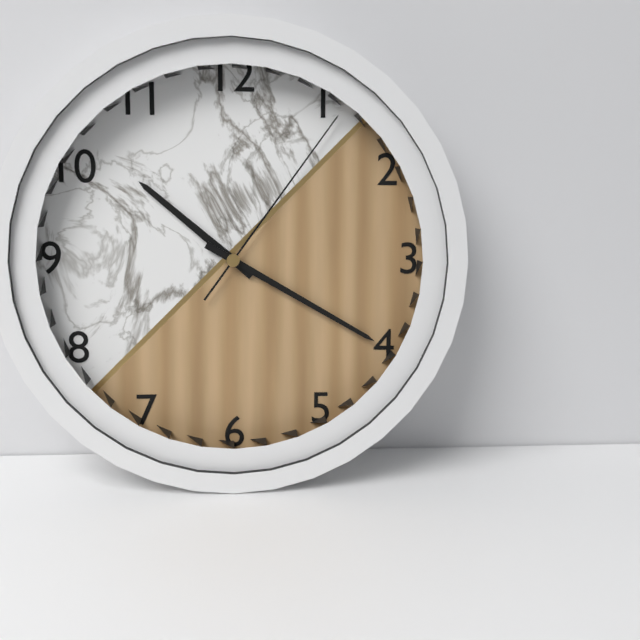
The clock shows h=10 m=20 s=6
